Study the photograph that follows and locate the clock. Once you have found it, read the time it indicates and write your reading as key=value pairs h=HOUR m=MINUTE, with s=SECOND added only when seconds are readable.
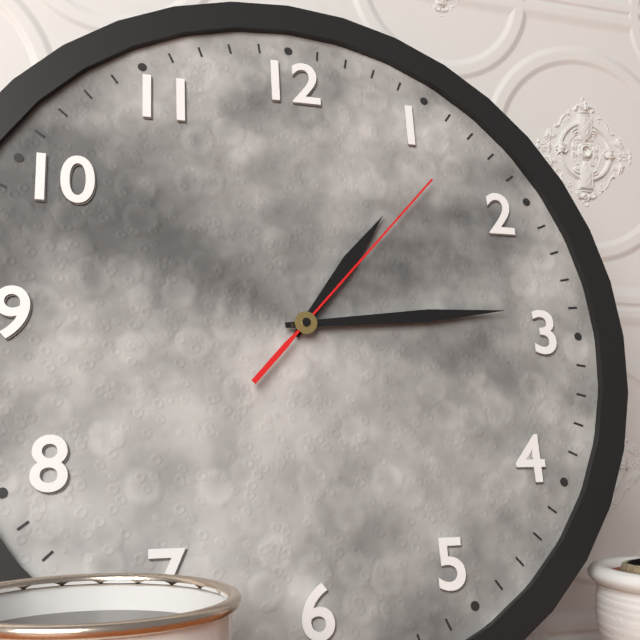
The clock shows h=1 m=14 s=7
